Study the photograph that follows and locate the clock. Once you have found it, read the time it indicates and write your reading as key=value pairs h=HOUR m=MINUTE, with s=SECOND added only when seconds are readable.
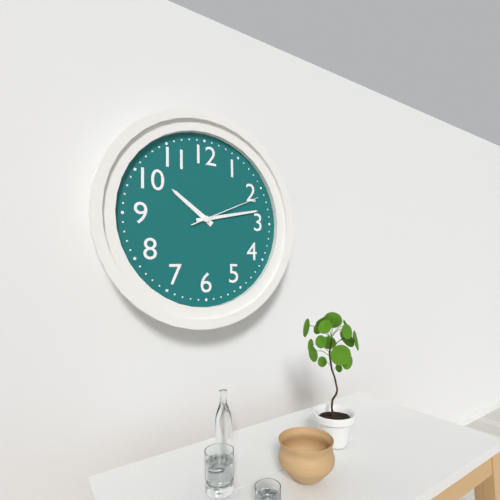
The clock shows h=10 m=13 s=11
